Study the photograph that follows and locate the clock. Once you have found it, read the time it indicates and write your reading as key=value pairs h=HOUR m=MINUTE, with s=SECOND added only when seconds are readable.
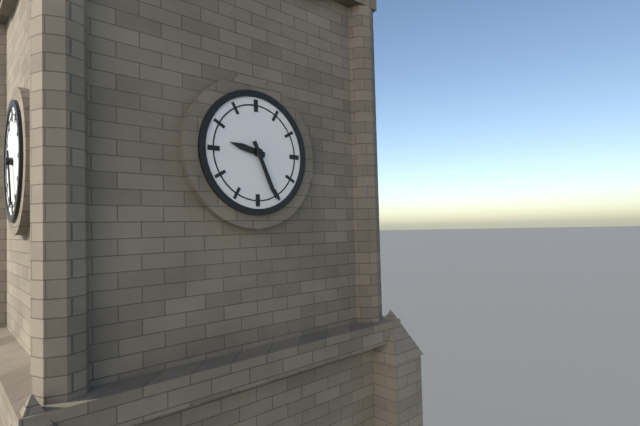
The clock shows h=9 m=26
